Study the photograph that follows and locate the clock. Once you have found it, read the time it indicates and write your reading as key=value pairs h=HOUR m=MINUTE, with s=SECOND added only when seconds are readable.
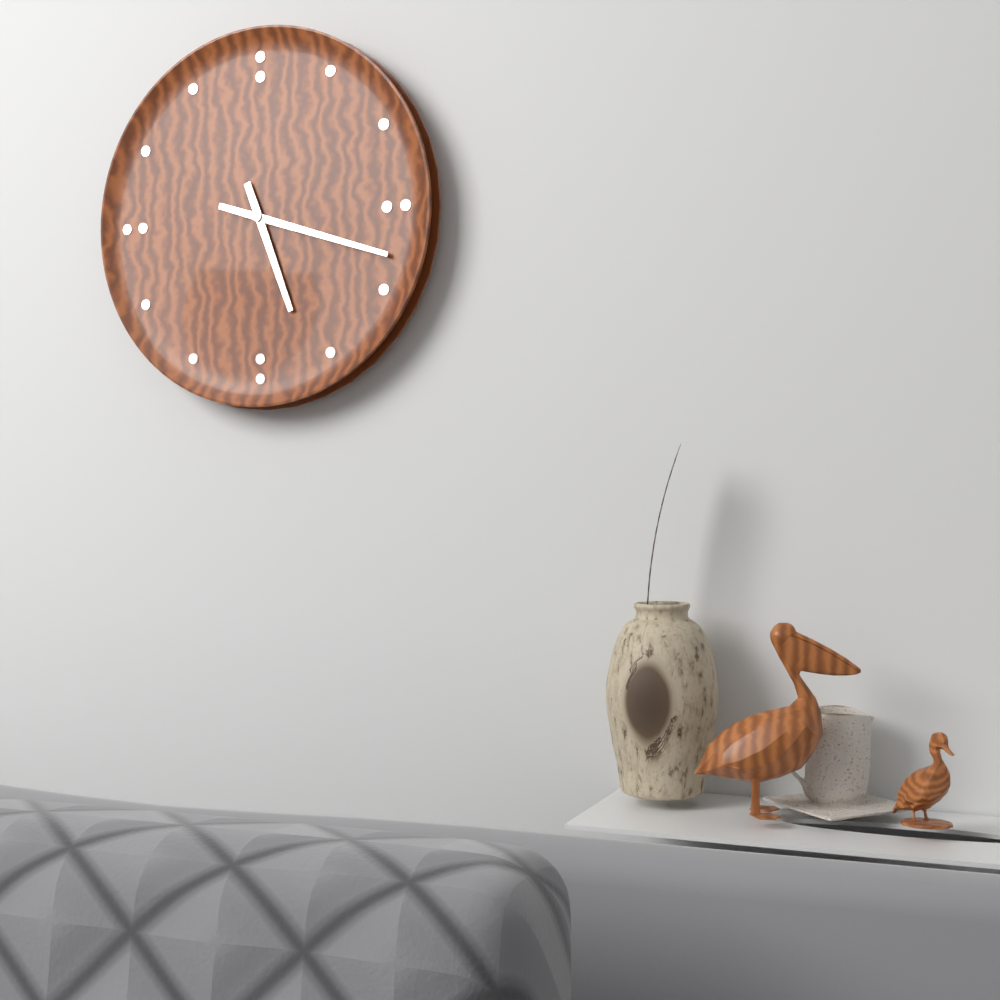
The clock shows h=5 m=18
